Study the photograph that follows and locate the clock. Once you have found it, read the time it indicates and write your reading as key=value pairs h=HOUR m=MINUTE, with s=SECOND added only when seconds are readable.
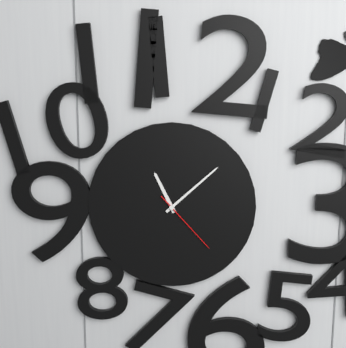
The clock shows h=11 m=8 s=23
